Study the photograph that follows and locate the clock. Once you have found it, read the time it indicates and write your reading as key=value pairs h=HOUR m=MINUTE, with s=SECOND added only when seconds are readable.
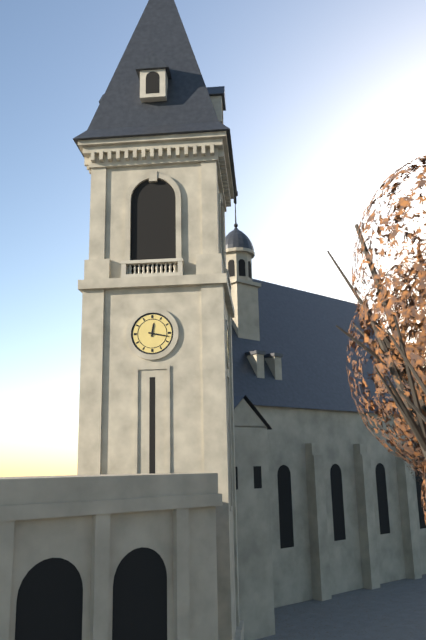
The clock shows h=12 m=17
